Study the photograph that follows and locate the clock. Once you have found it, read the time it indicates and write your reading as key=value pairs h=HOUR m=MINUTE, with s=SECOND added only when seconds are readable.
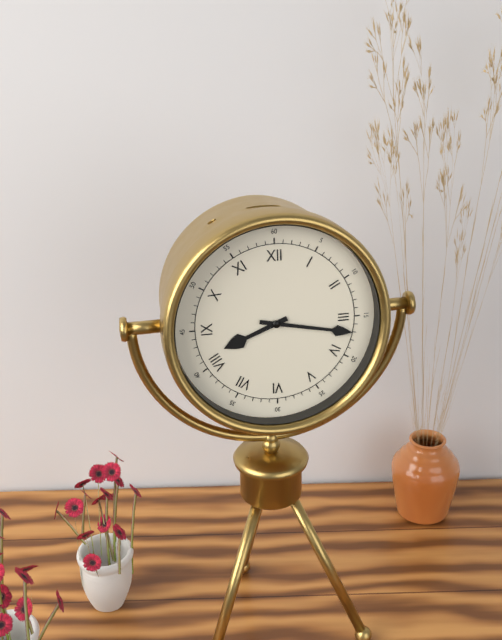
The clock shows h=8 m=17
